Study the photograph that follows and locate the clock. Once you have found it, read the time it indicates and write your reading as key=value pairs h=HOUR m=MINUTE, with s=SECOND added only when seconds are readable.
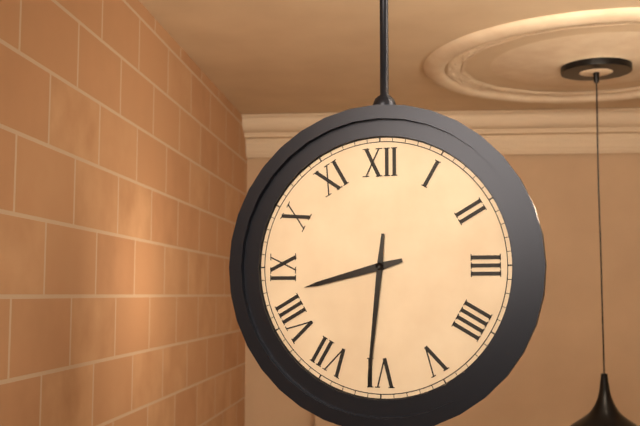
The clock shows h=8 m=31
